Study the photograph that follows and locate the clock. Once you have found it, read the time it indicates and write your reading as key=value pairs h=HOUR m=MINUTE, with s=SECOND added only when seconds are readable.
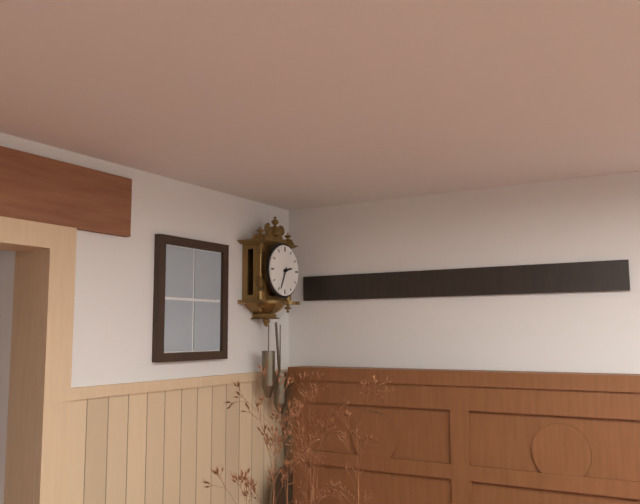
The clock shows h=2 m=34
